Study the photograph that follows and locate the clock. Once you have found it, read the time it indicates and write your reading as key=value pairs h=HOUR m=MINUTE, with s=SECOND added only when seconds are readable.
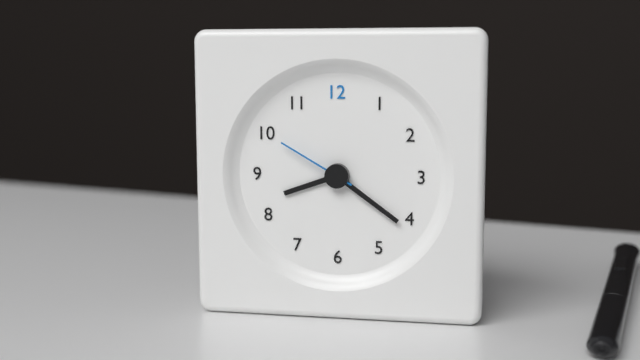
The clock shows h=8 m=21 s=50
